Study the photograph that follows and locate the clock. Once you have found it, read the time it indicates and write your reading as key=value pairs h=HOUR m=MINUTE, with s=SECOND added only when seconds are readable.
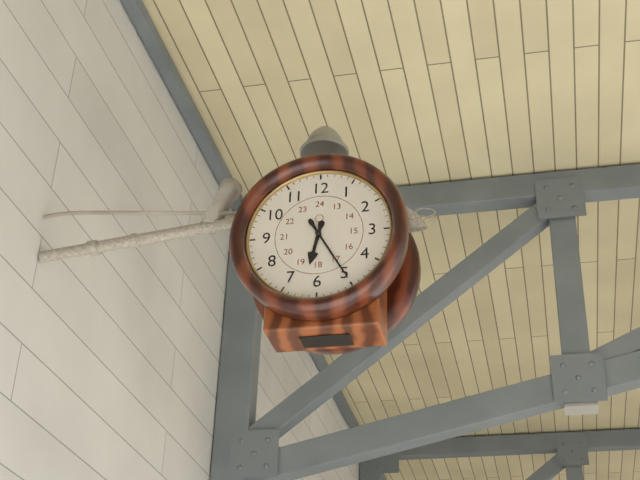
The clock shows h=6 m=25
